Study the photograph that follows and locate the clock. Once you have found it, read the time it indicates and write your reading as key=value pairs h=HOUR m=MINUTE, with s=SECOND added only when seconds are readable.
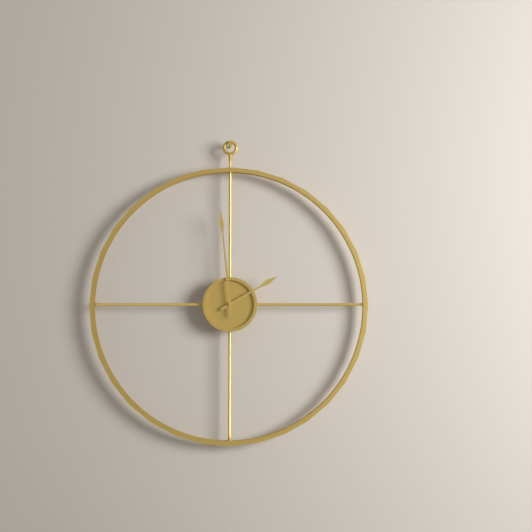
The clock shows h=1 m=59
